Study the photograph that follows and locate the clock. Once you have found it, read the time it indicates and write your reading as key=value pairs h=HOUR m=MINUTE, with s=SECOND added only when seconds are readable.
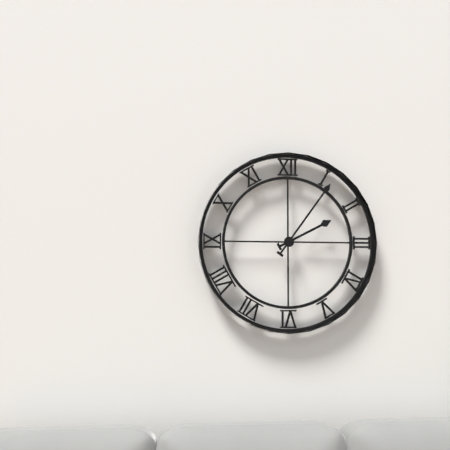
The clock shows h=2 m=6
